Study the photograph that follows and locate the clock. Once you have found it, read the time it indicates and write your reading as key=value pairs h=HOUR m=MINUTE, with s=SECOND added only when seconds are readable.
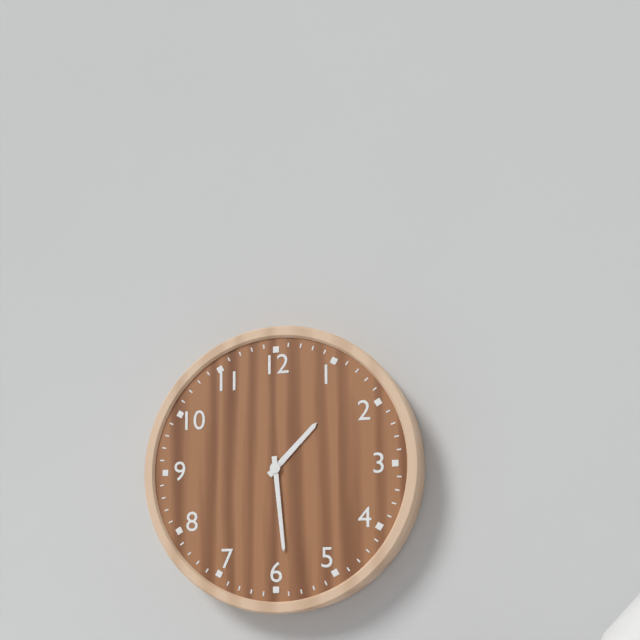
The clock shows h=1 m=29
